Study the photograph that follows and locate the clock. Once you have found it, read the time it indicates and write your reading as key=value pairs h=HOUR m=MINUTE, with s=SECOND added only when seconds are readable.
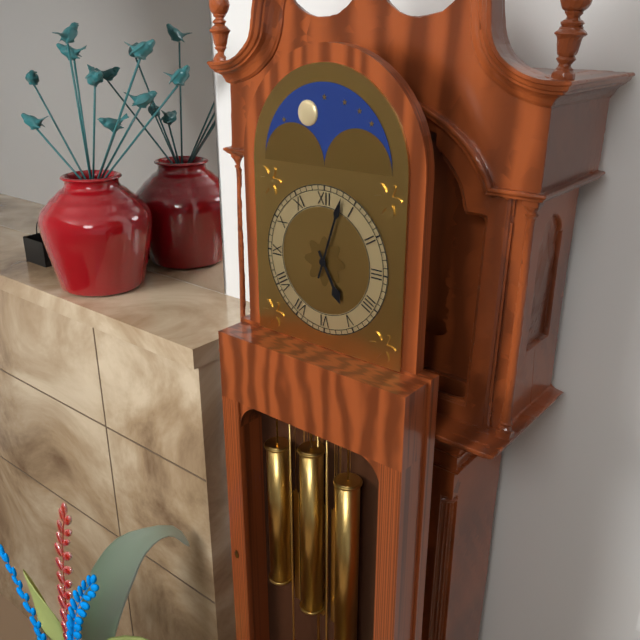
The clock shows h=5 m=3
